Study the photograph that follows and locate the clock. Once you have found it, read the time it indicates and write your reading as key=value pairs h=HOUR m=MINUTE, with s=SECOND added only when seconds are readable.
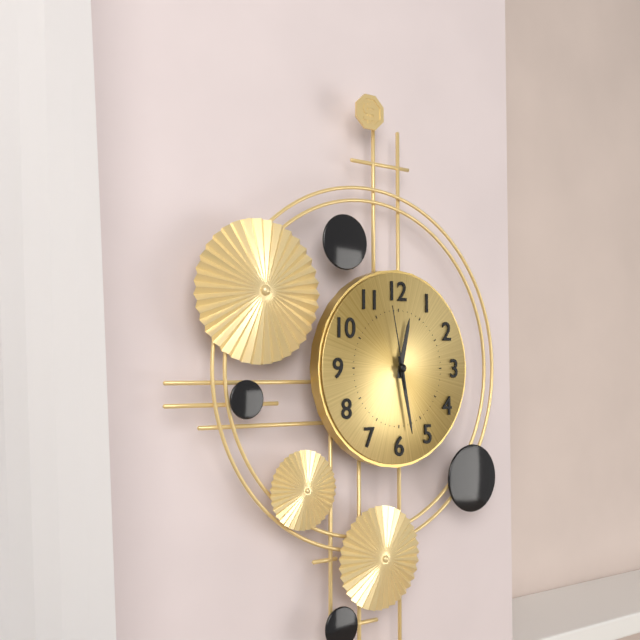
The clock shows h=12 m=28 s=58
